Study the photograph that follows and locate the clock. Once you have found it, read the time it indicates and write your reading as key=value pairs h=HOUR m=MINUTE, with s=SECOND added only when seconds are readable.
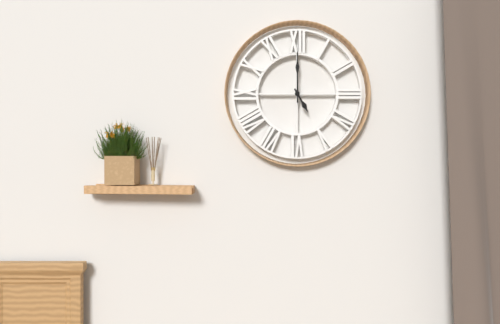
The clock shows h=5 m=0
